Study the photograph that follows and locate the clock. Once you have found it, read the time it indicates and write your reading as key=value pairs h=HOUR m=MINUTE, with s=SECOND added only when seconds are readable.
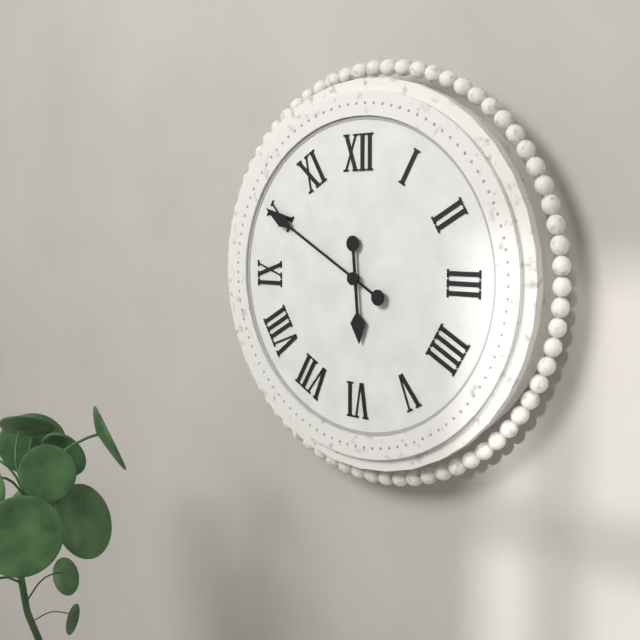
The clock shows h=5 m=50
